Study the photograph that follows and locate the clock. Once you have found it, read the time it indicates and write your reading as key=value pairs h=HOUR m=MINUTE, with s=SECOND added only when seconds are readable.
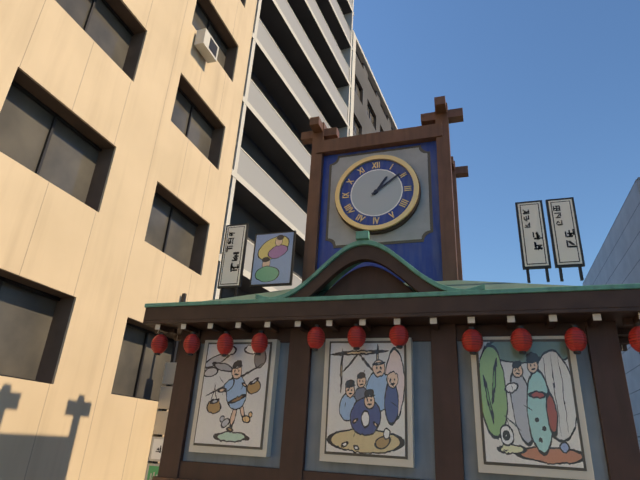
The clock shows h=1 m=9
